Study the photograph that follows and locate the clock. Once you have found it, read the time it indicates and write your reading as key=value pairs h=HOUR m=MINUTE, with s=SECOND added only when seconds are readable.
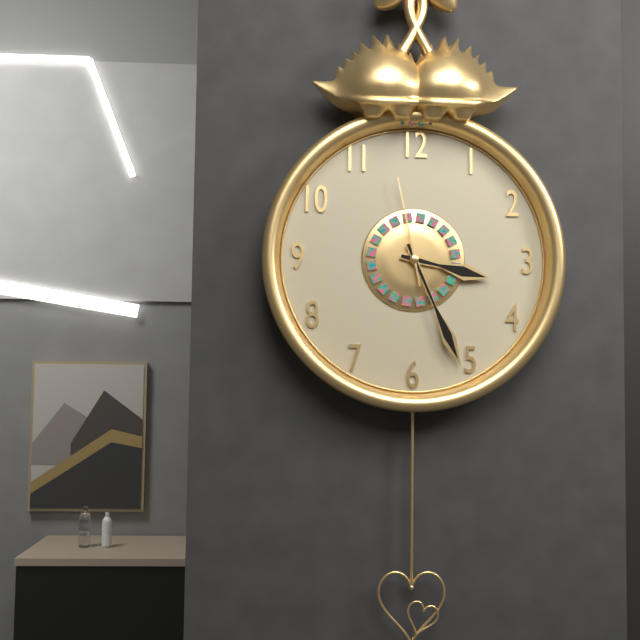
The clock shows h=3 m=26 s=58
